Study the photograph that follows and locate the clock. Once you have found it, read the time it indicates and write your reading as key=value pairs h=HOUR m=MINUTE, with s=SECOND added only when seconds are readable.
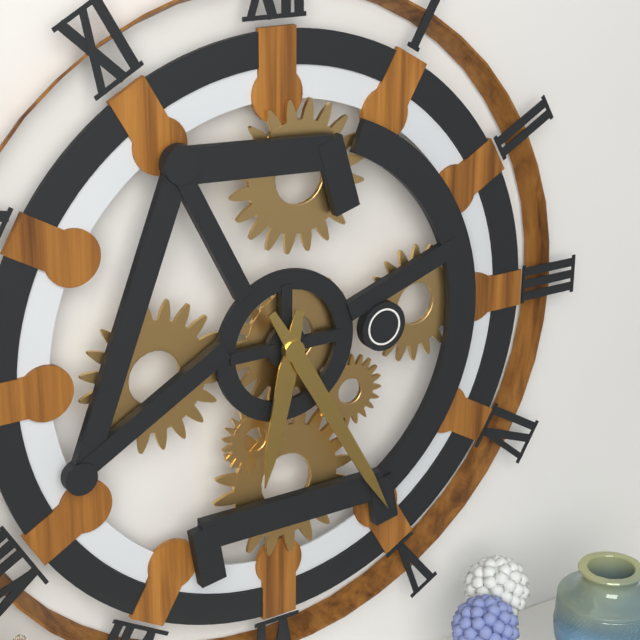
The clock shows h=6 m=25
